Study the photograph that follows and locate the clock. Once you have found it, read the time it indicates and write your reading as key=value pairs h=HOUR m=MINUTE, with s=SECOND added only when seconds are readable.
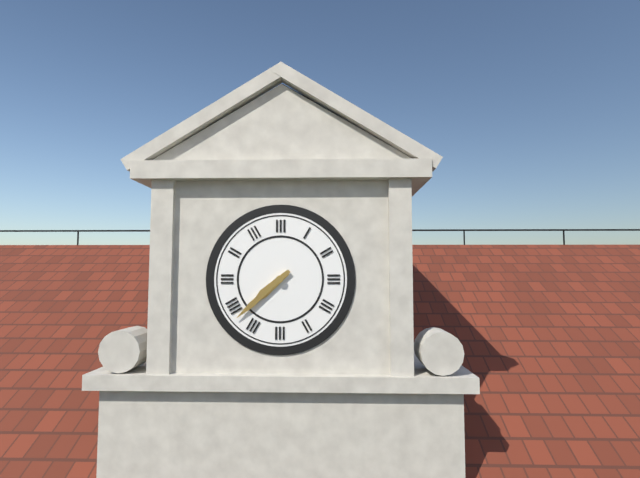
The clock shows h=7 m=38
